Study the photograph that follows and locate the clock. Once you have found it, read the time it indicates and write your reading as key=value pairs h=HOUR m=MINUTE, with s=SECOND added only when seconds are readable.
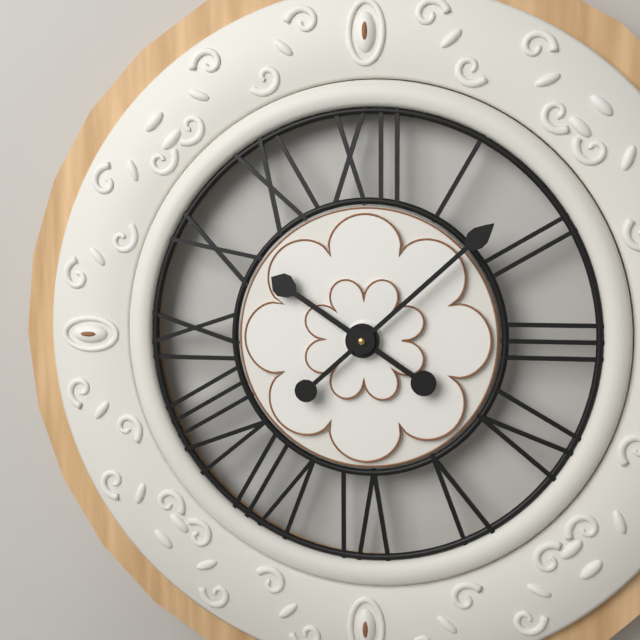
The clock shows h=10 m=8
